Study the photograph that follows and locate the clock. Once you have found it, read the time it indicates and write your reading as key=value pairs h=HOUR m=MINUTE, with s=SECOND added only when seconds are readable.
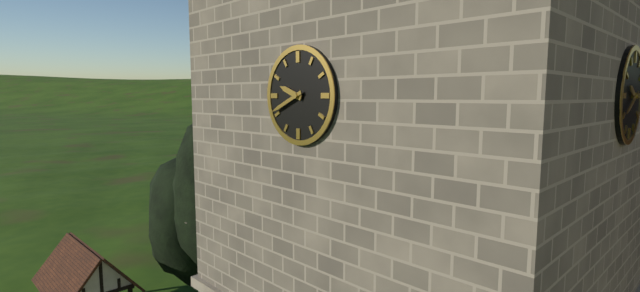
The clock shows h=9 m=41
